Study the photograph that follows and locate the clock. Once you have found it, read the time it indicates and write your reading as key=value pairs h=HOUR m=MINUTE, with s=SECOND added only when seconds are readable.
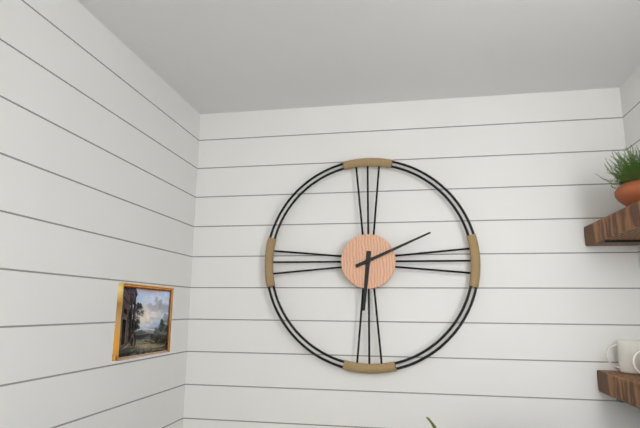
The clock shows h=6 m=11
